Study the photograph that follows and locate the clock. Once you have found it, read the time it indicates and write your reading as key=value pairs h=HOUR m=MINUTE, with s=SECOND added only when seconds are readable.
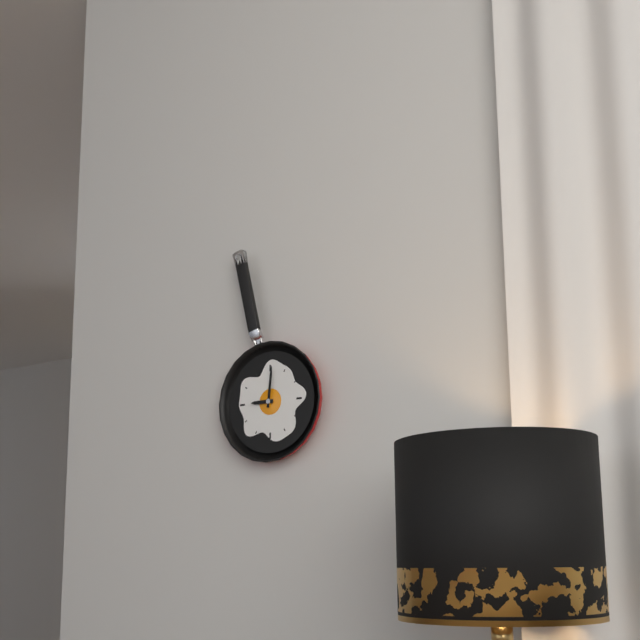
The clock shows h=9 m=1
